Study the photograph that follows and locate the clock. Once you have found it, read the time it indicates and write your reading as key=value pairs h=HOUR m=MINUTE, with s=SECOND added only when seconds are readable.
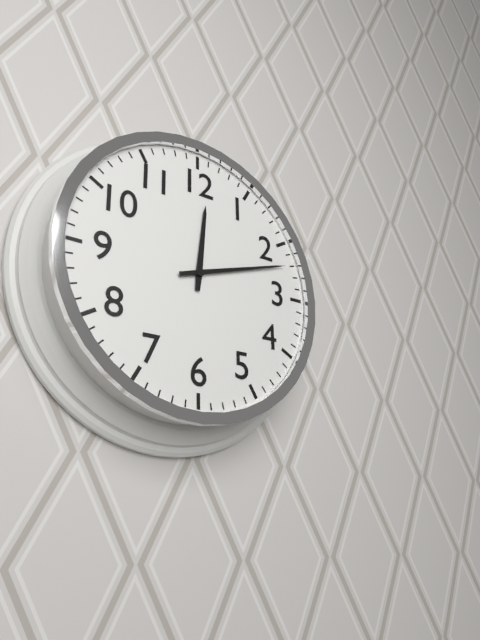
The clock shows h=12 m=12
